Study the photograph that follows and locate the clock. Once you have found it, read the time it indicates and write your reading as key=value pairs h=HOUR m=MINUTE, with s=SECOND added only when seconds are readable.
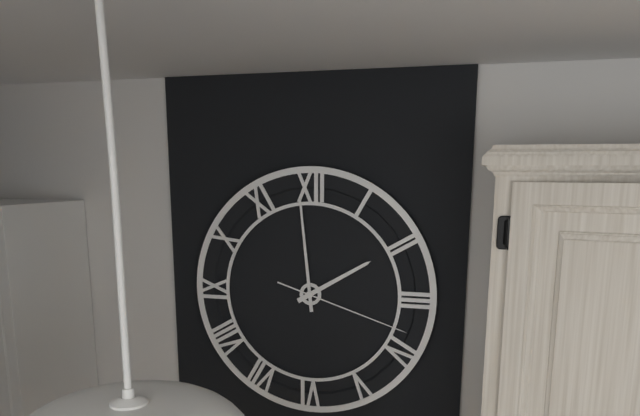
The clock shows h=1 m=59 s=18
